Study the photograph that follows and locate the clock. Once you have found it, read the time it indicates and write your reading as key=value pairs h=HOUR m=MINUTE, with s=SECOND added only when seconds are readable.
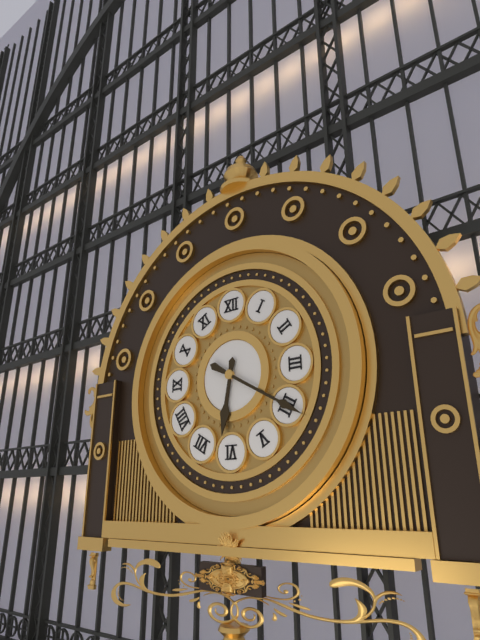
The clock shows h=6 m=20
